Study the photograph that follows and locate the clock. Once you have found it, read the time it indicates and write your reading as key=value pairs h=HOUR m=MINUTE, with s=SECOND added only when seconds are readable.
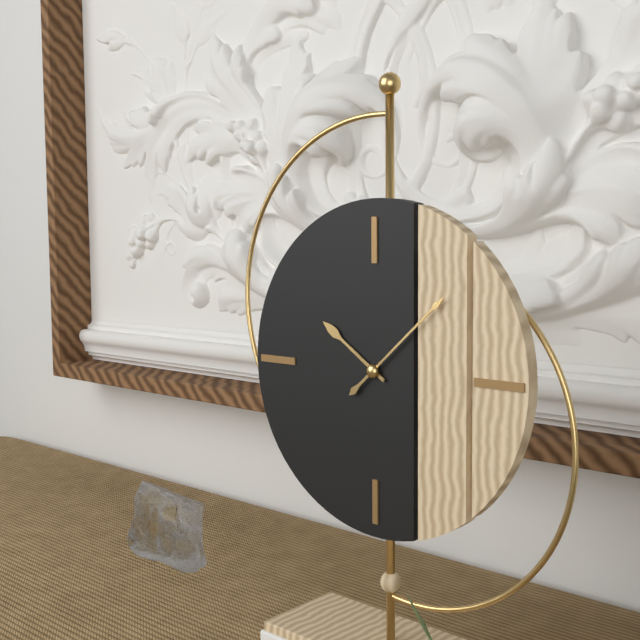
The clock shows h=10 m=8
